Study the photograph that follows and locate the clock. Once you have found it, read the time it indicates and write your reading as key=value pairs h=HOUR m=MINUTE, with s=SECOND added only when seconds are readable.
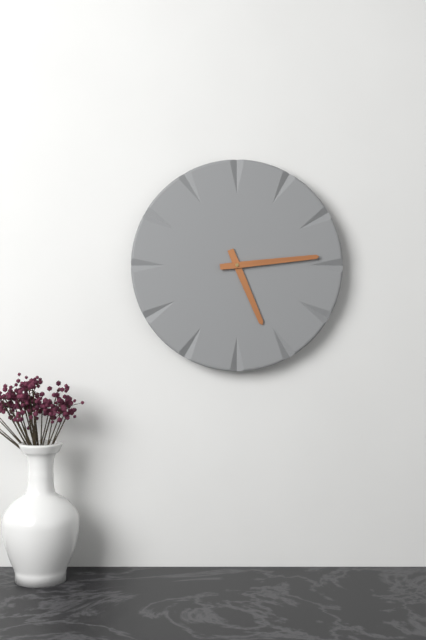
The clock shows h=5 m=14
